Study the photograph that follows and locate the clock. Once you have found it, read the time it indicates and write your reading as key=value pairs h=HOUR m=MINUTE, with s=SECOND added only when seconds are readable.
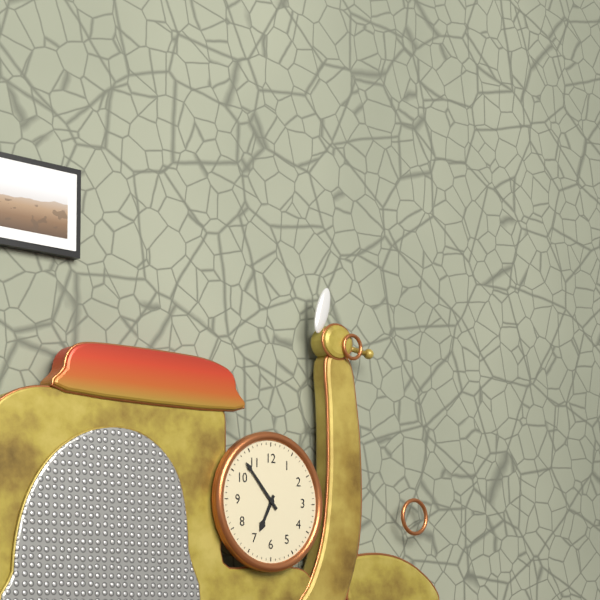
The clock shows h=6 m=53
